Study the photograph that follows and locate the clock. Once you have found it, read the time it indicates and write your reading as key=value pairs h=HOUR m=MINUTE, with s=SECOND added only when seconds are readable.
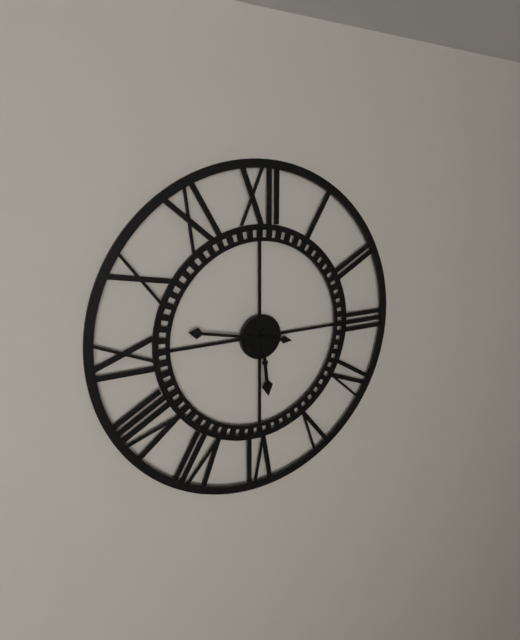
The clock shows h=5 m=47
